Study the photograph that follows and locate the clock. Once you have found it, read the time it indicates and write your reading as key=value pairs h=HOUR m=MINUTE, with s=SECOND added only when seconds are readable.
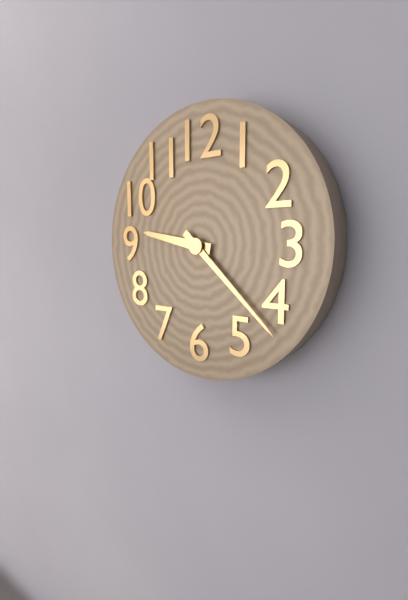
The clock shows h=9 m=22
